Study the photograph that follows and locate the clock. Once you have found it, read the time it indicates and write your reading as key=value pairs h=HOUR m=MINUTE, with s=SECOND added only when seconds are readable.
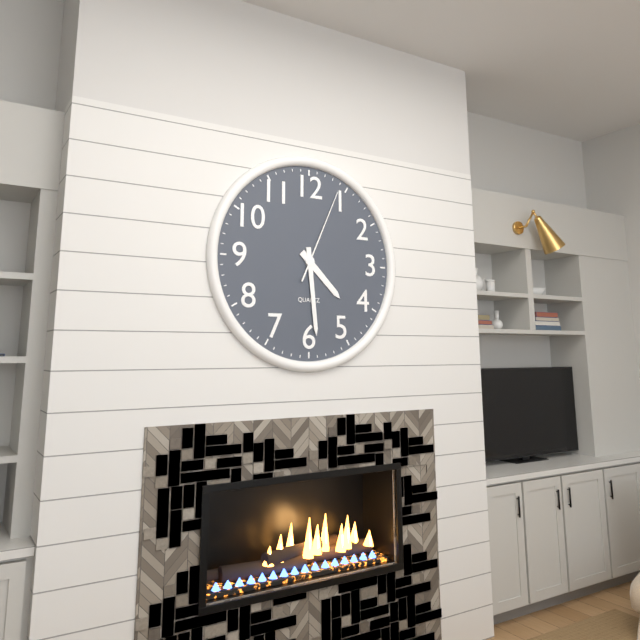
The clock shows h=4 m=29 s=4
